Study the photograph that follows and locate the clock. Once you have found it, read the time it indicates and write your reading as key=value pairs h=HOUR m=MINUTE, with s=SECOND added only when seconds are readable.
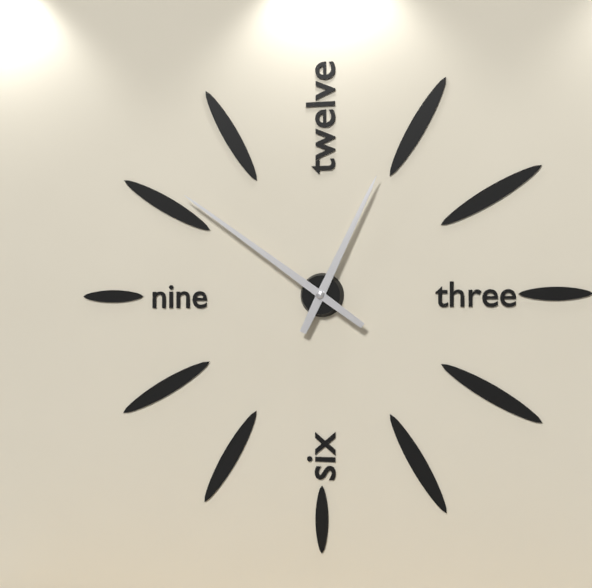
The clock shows h=12 m=51
